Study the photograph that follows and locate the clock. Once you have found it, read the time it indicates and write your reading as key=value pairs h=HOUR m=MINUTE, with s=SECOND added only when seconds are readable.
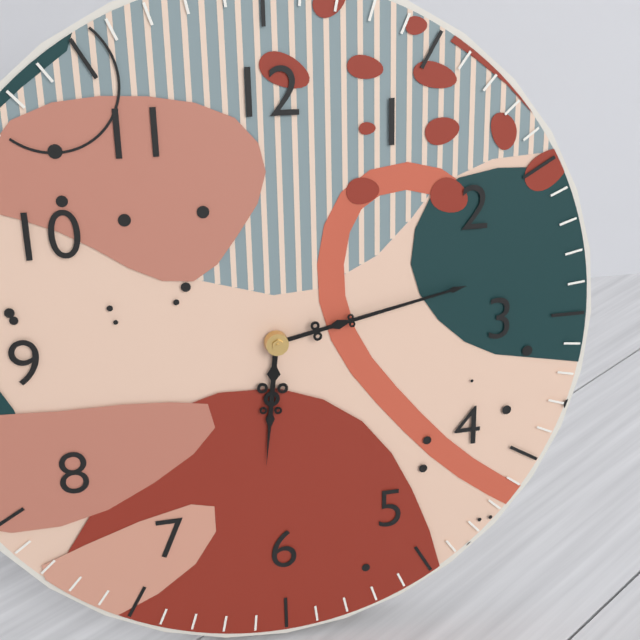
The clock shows h=6 m=13
